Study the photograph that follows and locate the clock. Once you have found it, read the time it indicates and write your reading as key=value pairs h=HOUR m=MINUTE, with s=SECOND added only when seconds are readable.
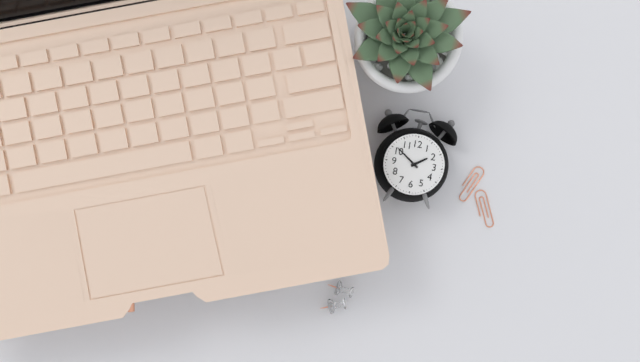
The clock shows h=1 m=51
